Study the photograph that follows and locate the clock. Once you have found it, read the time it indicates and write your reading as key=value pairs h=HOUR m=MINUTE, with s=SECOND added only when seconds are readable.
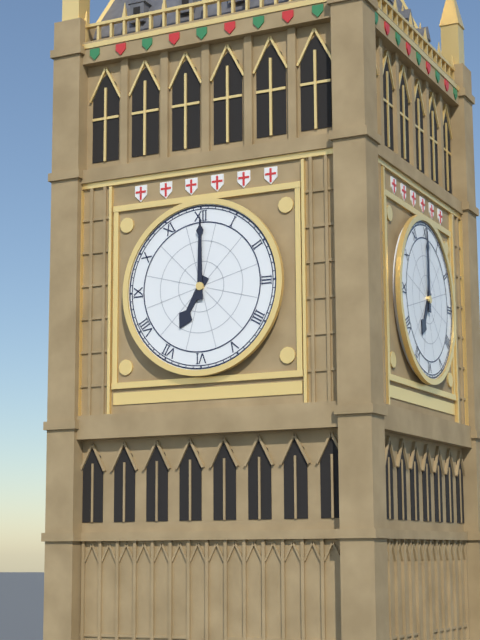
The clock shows h=7 m=0
